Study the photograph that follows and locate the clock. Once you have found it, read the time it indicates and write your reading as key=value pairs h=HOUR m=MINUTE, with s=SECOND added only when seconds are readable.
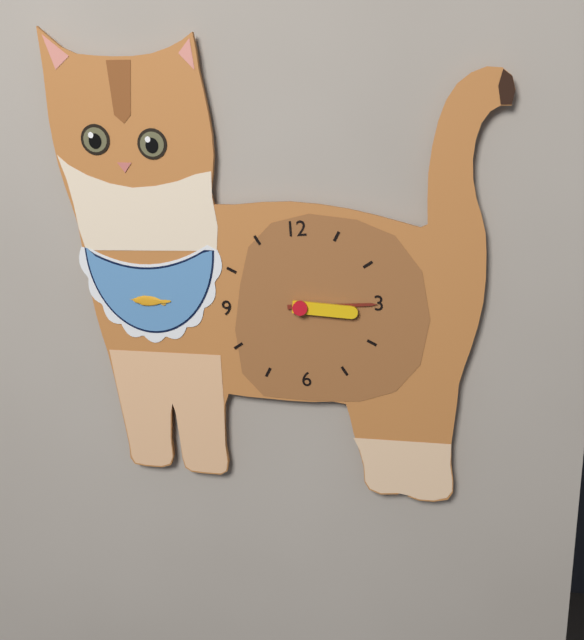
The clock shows h=3 m=15
